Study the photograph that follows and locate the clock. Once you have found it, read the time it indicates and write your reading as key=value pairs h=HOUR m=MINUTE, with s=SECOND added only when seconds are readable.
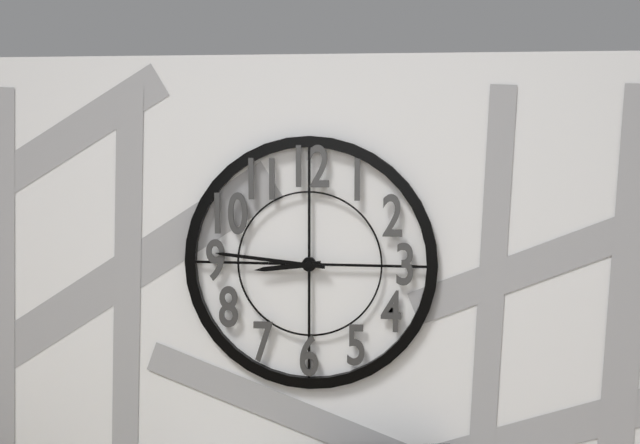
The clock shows h=8 m=46
